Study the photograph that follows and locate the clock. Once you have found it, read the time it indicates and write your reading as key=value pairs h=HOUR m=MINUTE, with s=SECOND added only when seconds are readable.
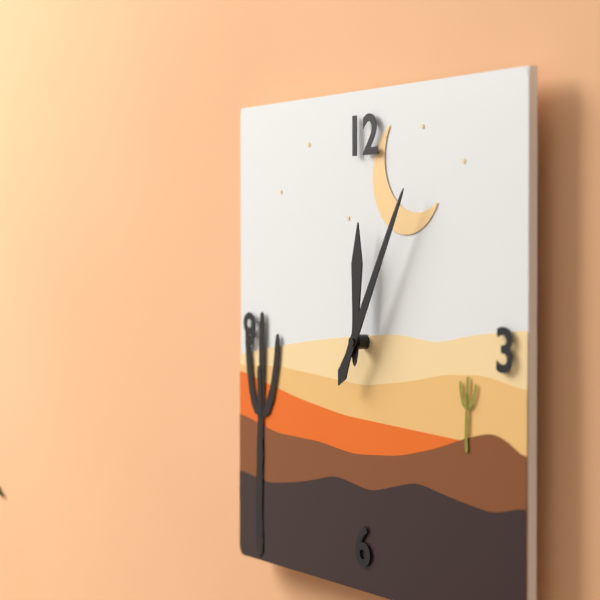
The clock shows h=12 m=5
